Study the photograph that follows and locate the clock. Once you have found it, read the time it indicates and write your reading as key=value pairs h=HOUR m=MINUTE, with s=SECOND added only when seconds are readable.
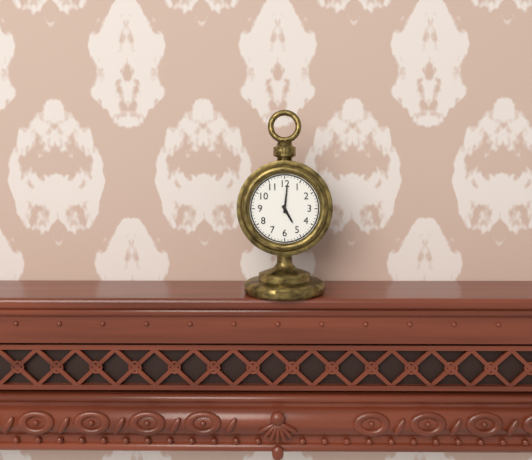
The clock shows h=5 m=1
